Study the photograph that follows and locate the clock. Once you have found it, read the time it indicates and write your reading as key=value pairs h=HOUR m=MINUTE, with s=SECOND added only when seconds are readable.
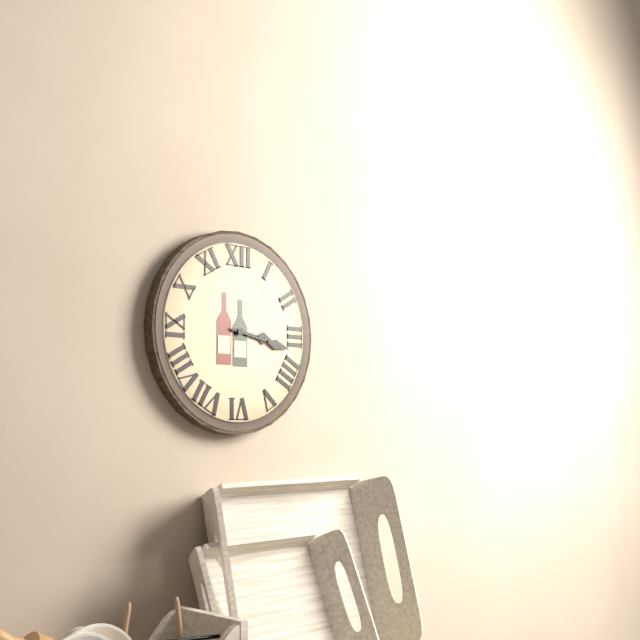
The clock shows h=3 m=17
